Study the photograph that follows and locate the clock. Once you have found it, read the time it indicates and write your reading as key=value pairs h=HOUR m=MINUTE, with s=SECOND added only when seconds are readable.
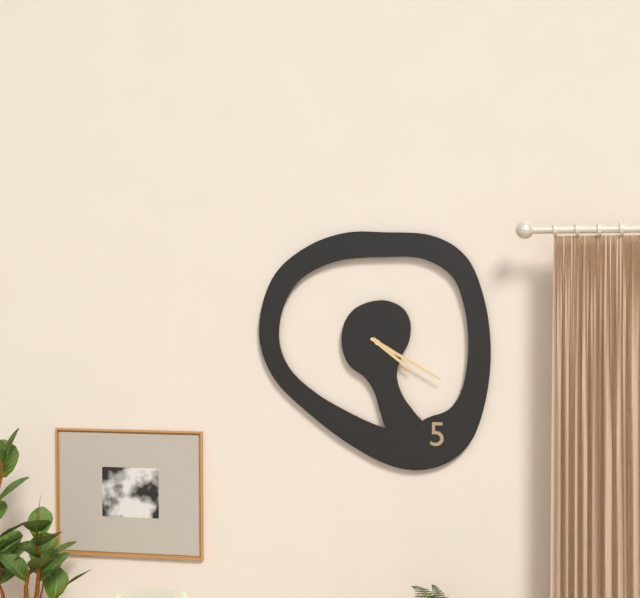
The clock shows h=4 m=20
